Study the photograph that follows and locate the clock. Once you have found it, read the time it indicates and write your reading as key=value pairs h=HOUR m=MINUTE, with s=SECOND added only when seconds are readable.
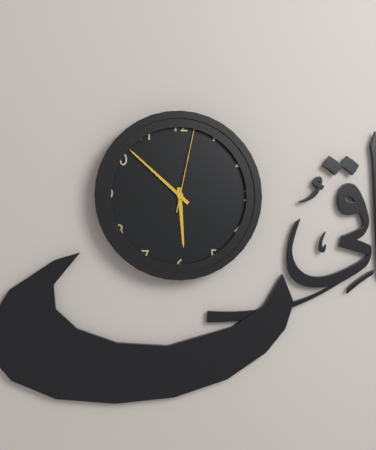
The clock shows h=5 m=52 s=2
